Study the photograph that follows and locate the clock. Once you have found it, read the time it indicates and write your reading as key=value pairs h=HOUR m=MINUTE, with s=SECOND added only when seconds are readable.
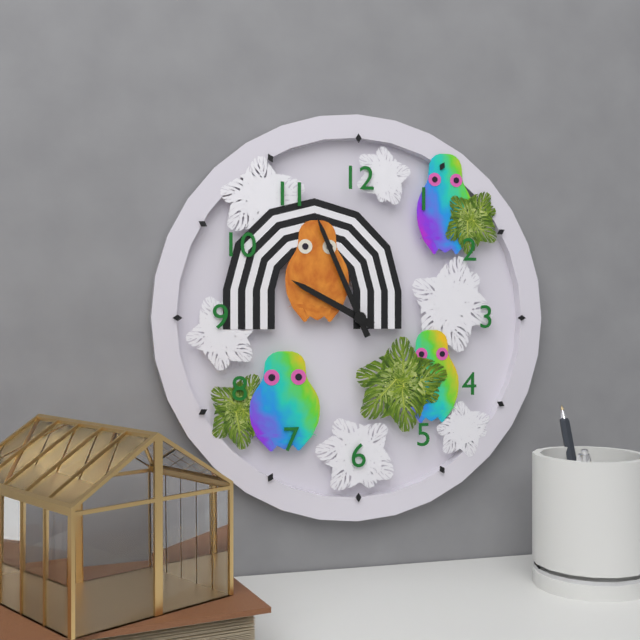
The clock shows h=9 m=56
